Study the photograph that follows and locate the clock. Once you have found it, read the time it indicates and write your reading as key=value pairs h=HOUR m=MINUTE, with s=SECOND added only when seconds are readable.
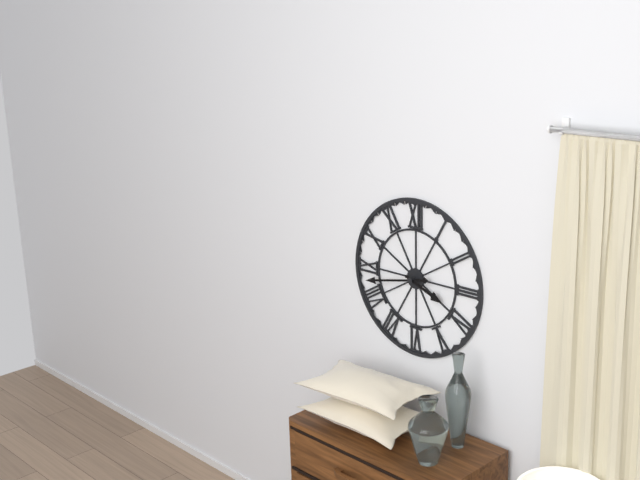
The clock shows h=3 m=43
